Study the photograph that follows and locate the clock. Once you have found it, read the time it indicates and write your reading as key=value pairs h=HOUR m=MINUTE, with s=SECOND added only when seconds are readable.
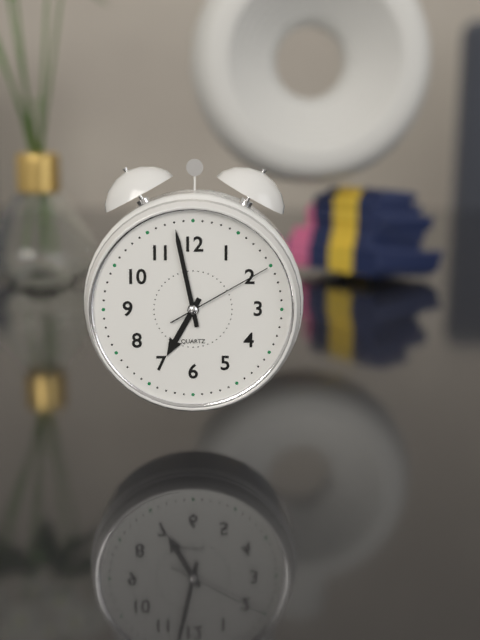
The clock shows h=6 m=58 s=10
